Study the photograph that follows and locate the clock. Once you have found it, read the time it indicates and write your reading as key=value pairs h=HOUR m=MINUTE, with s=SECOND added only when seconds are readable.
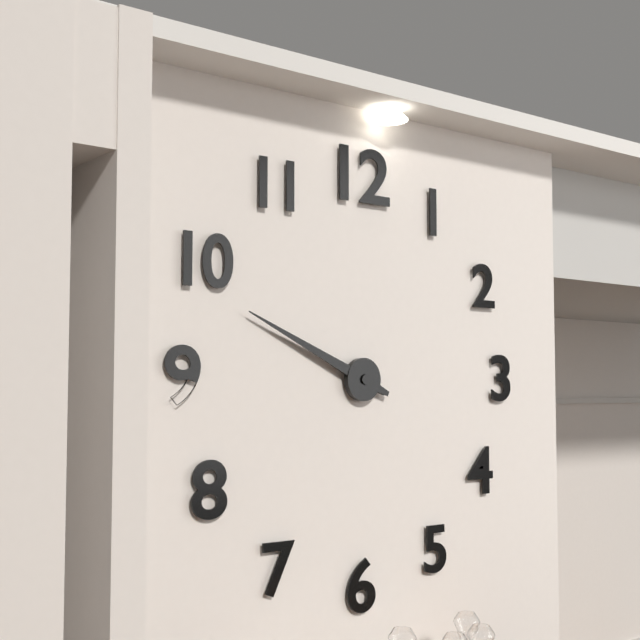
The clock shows h=9 m=49
